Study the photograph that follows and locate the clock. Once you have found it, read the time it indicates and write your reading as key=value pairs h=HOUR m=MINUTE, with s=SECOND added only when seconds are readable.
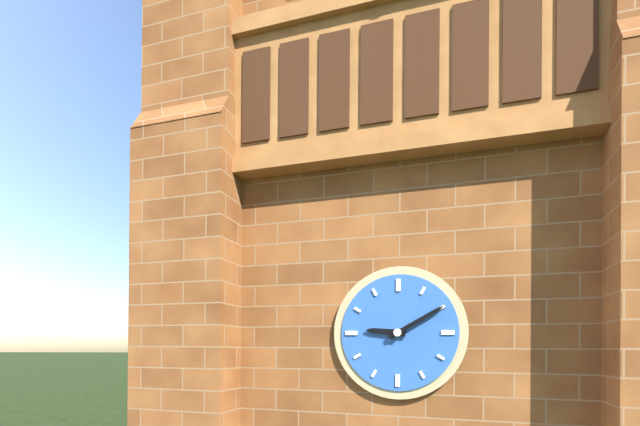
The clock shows h=9 m=10
